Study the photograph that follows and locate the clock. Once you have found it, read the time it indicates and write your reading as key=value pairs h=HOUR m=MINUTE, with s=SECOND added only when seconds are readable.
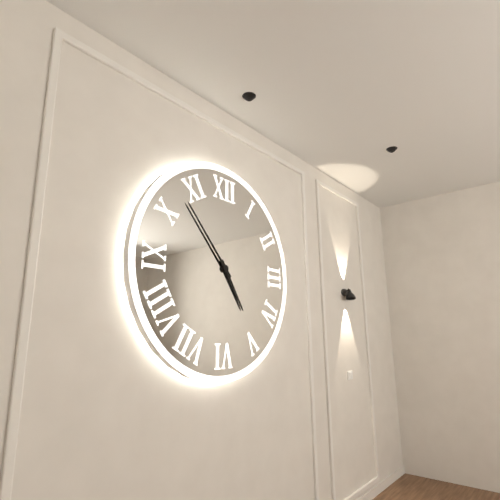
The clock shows h=4 m=53
